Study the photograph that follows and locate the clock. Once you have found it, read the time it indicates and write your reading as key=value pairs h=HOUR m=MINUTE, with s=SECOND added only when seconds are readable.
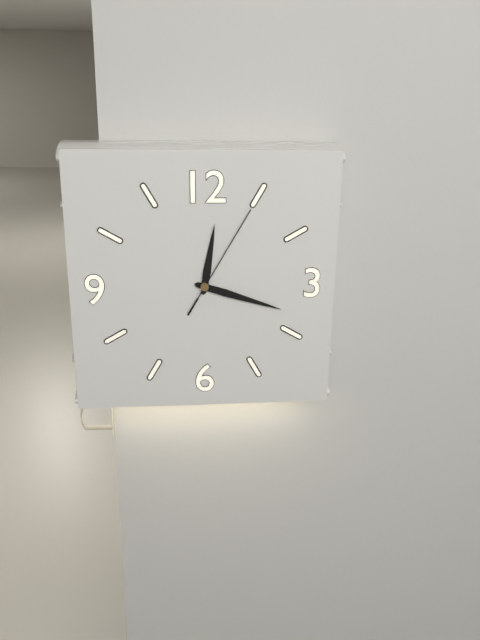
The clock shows h=12 m=18 s=5
